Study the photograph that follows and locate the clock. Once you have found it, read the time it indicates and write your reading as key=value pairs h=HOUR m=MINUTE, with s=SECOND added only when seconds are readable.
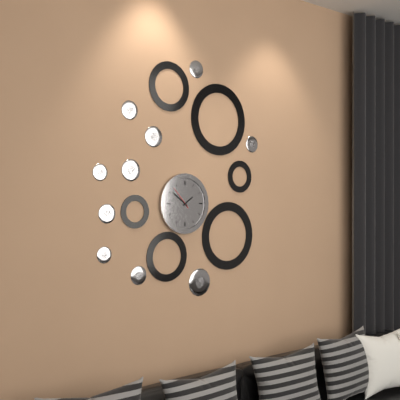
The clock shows h=1 m=51
